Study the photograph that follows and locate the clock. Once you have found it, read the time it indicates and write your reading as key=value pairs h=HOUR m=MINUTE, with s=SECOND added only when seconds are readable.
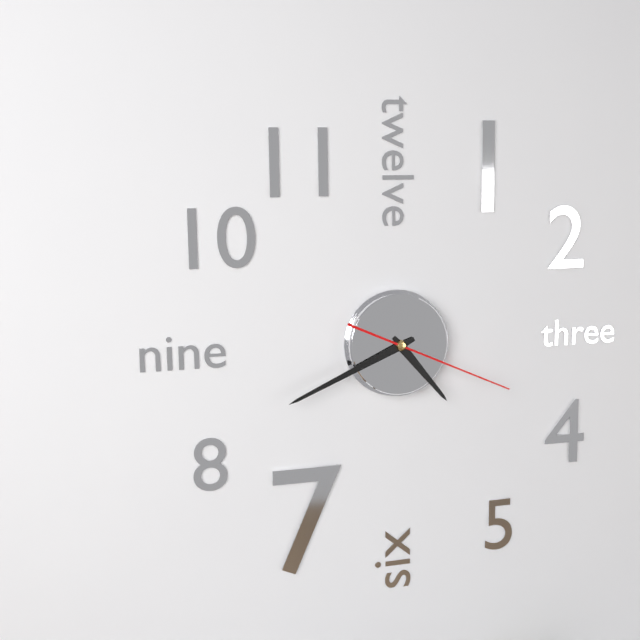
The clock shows h=4 m=41 s=19
